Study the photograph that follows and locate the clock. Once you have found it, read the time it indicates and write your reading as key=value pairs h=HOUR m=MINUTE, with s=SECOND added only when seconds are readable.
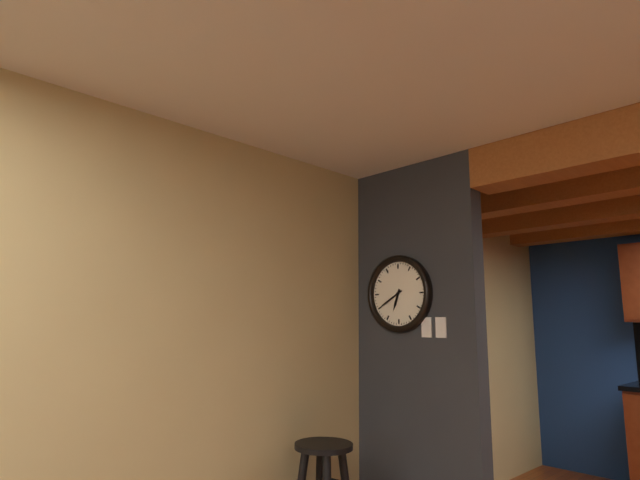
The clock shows h=6 m=40
